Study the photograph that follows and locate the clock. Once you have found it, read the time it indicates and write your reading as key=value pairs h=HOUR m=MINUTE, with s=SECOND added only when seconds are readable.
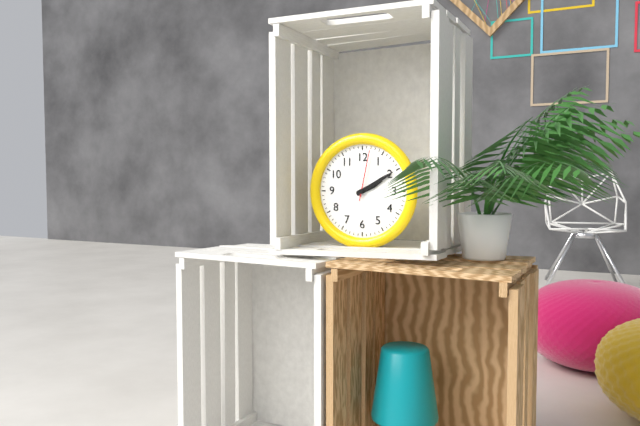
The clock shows h=2 m=10 s=2
